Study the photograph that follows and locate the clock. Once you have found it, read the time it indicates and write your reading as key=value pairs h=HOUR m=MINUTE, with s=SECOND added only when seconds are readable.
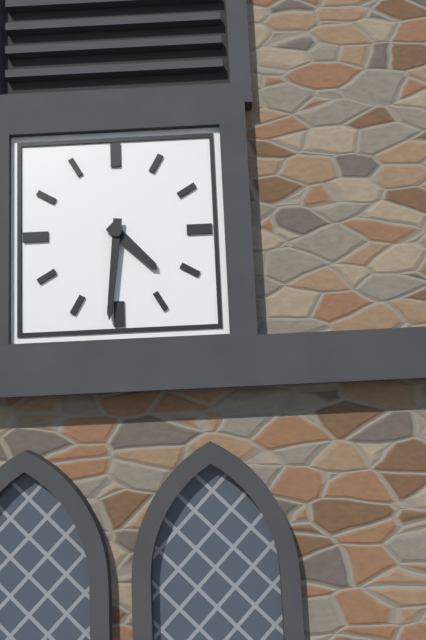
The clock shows h=4 m=31
